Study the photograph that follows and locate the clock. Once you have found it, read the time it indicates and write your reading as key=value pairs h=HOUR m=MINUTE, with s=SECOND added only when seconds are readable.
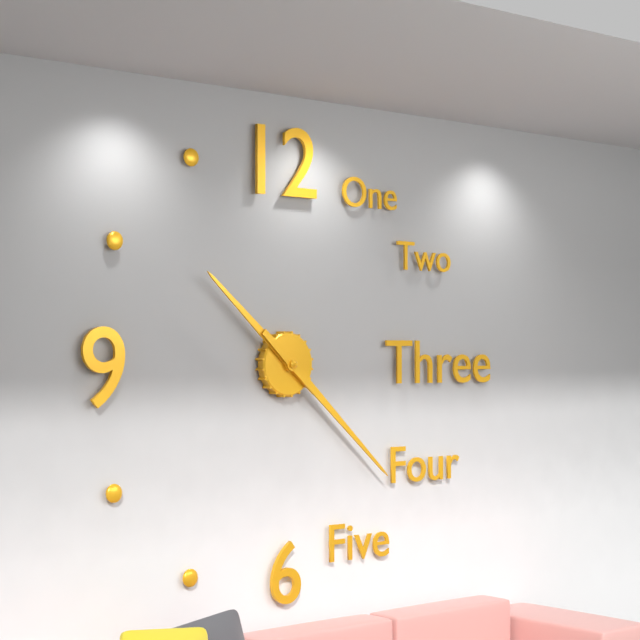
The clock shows h=10 m=22
